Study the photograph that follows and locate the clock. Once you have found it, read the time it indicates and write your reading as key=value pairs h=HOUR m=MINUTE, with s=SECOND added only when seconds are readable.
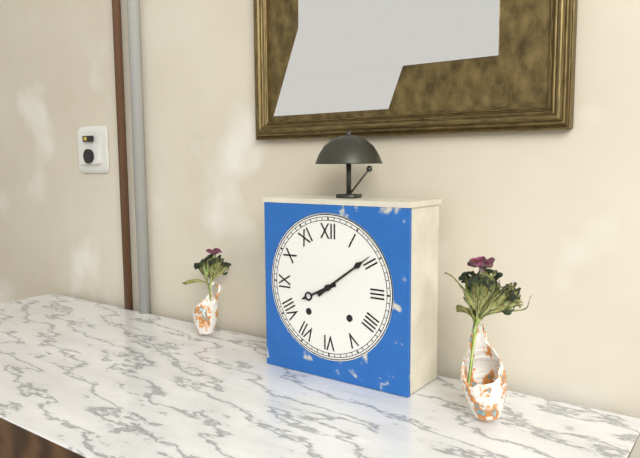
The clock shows h=8 m=9
